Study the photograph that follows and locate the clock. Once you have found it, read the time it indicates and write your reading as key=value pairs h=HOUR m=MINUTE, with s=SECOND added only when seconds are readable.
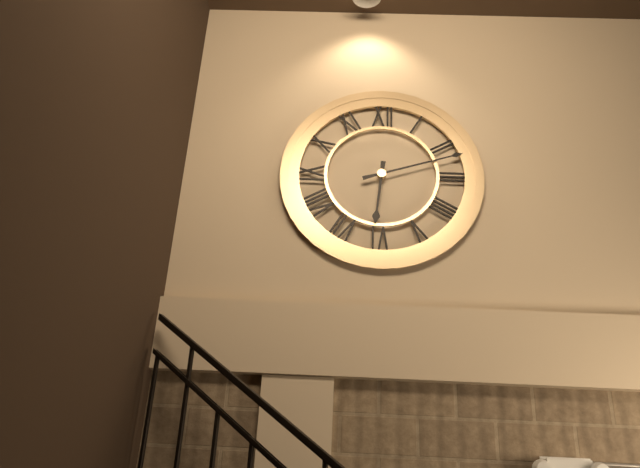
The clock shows h=6 m=12
